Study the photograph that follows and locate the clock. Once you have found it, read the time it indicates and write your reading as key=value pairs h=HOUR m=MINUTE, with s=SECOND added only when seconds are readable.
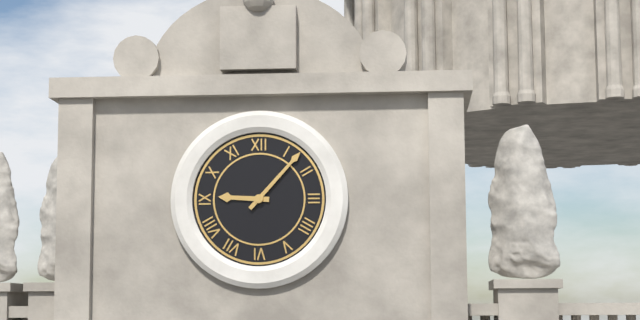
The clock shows h=9 m=7
